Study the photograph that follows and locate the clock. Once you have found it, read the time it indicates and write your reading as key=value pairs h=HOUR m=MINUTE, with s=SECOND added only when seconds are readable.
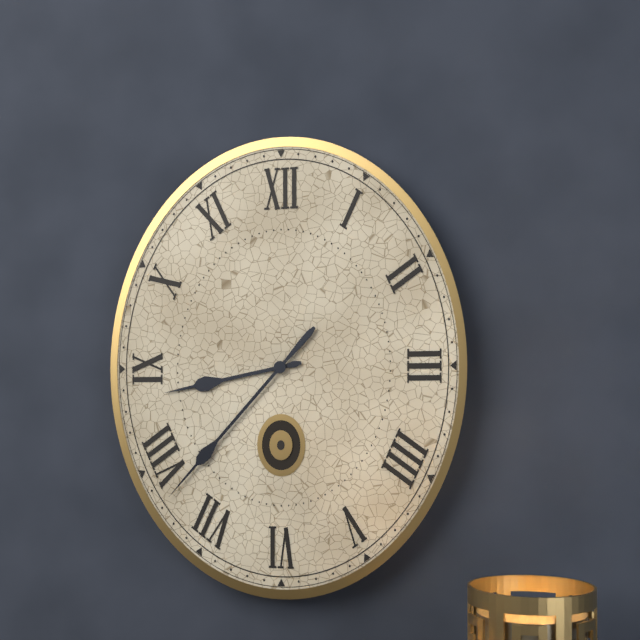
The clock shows h=8 m=37
